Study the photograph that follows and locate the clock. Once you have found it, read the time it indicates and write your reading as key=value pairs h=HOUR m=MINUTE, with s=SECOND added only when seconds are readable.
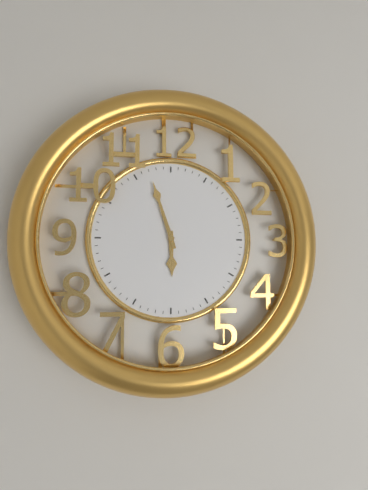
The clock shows h=5 m=57
